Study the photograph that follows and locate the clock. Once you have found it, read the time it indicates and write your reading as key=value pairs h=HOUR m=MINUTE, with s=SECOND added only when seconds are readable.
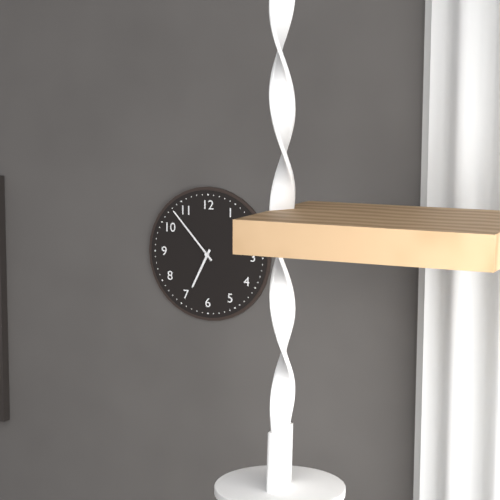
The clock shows h=6 m=53
